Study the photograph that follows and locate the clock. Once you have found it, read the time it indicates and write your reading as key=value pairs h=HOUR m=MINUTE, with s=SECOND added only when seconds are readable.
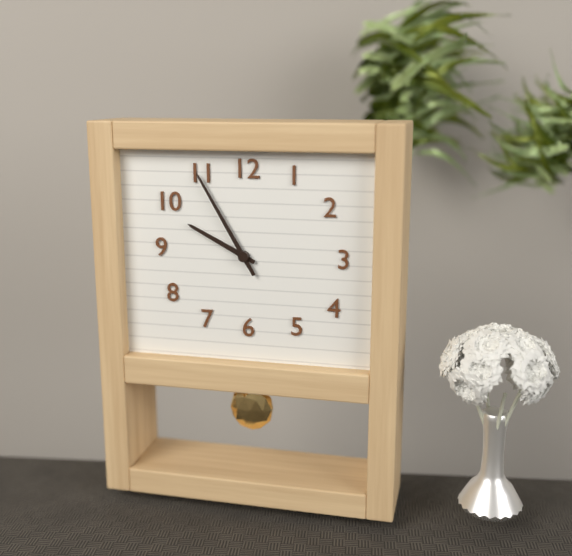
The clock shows h=9 m=55
